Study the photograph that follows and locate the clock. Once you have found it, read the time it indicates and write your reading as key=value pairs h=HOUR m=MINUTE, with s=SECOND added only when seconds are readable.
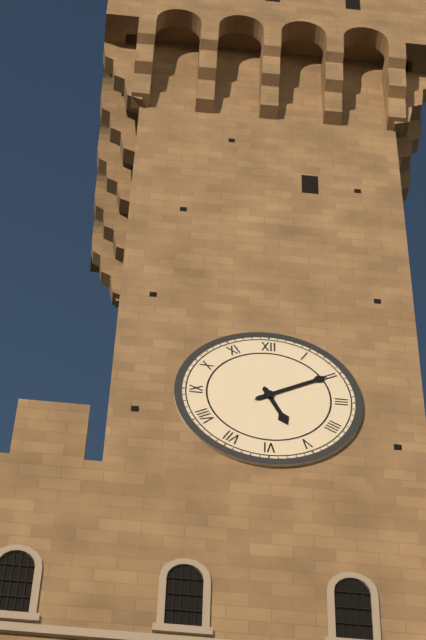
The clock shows h=5 m=10
